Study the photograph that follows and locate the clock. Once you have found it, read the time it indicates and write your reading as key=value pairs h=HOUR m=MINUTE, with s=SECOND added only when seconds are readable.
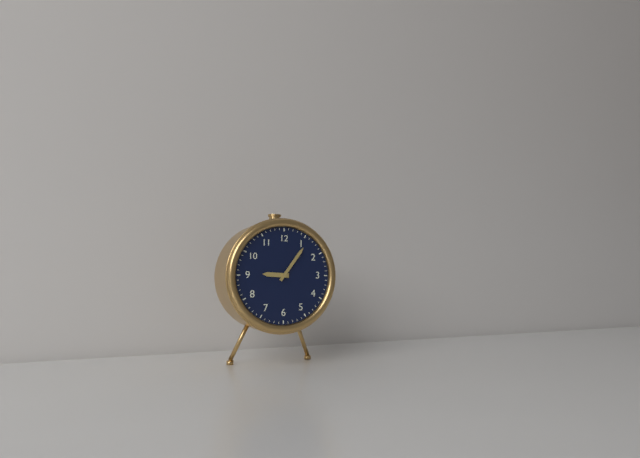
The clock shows h=9 m=6
